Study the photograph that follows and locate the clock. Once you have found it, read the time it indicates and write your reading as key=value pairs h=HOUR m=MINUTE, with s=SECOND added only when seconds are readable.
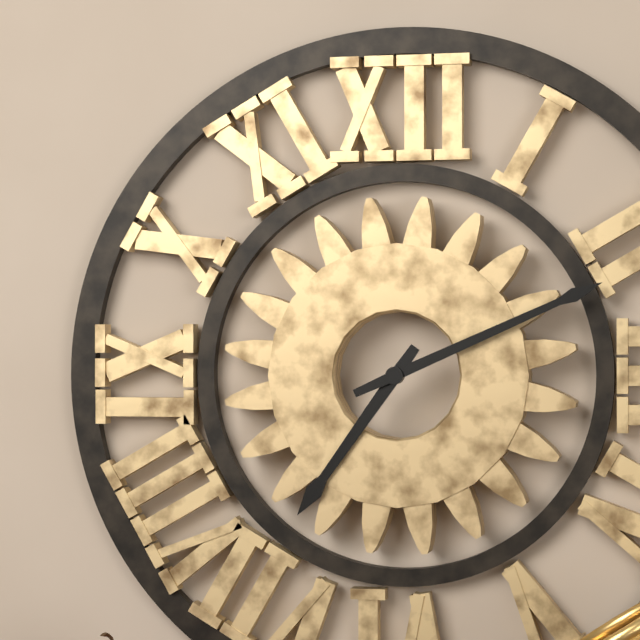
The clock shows h=7 m=11
